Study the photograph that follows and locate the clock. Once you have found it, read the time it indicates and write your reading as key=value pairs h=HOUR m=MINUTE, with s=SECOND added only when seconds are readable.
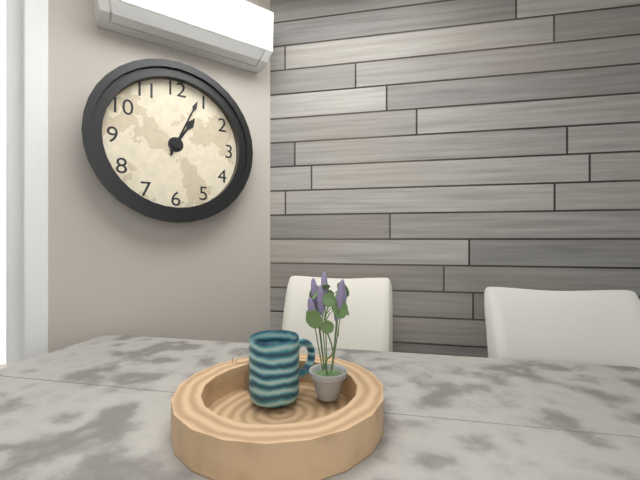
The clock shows h=1 m=4
